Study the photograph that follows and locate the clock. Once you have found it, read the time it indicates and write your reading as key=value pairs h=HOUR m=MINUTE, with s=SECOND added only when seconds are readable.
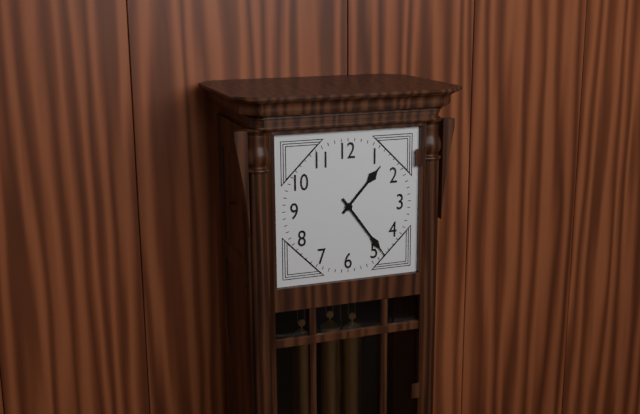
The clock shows h=1 m=24
